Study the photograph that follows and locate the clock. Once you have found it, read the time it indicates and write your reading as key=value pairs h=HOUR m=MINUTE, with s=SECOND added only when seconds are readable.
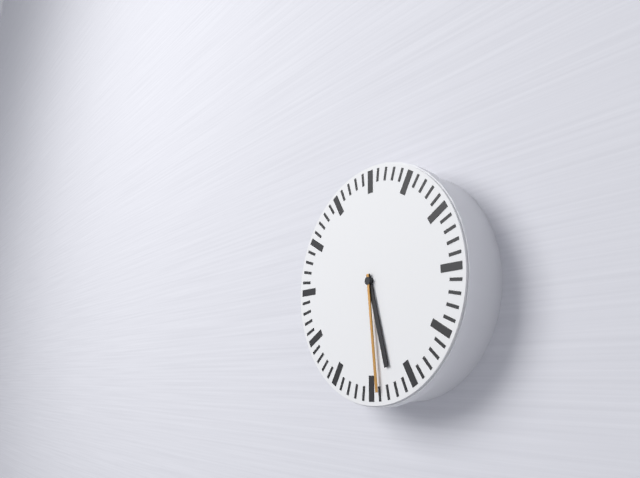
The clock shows h=5 m=29
